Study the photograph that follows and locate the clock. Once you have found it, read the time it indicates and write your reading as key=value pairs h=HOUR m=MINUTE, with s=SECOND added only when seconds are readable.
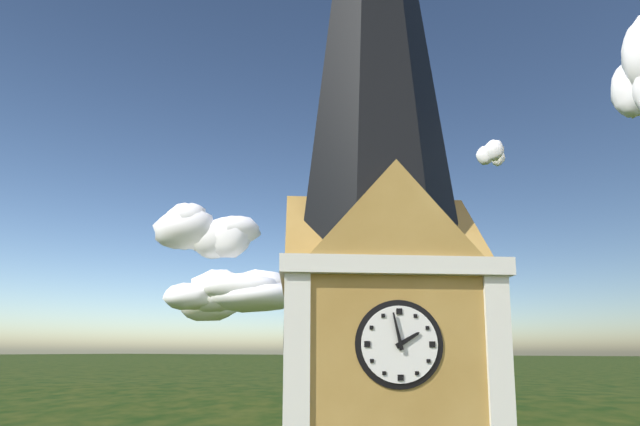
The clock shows h=1 m=58
